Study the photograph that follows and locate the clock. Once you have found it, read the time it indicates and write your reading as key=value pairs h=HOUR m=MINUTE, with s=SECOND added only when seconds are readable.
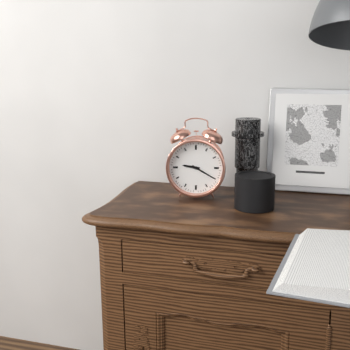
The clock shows h=9 m=20
